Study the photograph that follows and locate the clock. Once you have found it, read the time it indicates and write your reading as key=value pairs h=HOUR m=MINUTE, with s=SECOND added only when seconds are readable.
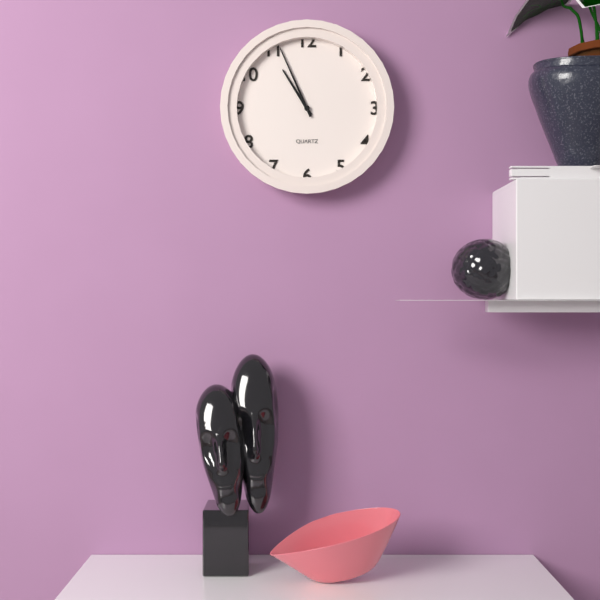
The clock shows h=10 m=56
